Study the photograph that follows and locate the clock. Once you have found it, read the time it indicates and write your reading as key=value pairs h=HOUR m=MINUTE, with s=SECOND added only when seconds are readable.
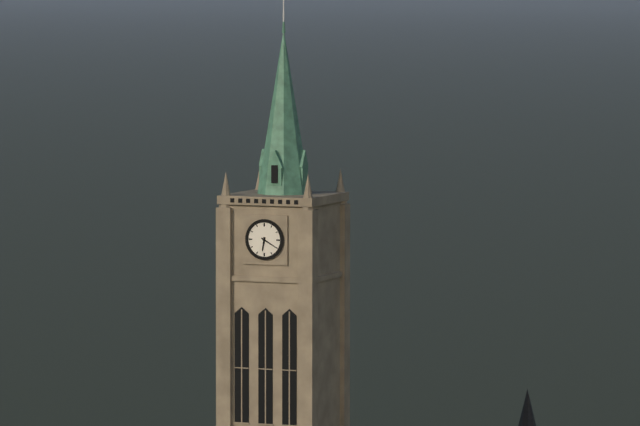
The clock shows h=6 m=20
